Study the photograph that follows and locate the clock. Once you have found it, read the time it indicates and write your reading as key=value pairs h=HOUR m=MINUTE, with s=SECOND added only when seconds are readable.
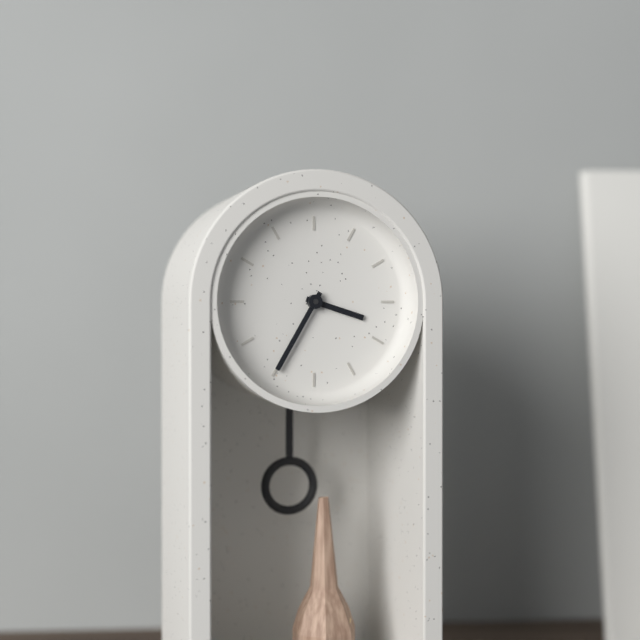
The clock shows h=3 m=35
